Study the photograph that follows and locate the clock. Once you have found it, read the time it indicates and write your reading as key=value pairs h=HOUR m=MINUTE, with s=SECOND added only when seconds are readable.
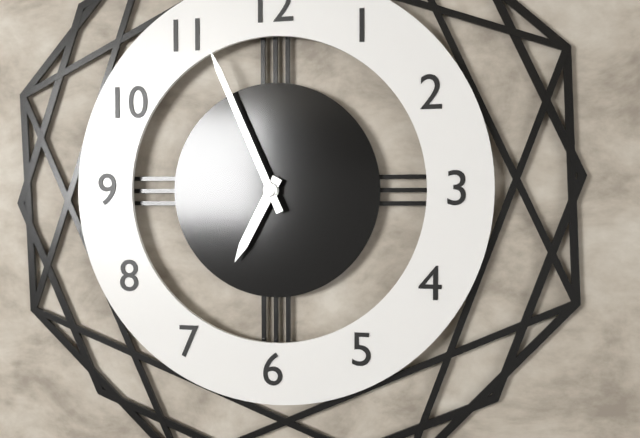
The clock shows h=6 m=56
